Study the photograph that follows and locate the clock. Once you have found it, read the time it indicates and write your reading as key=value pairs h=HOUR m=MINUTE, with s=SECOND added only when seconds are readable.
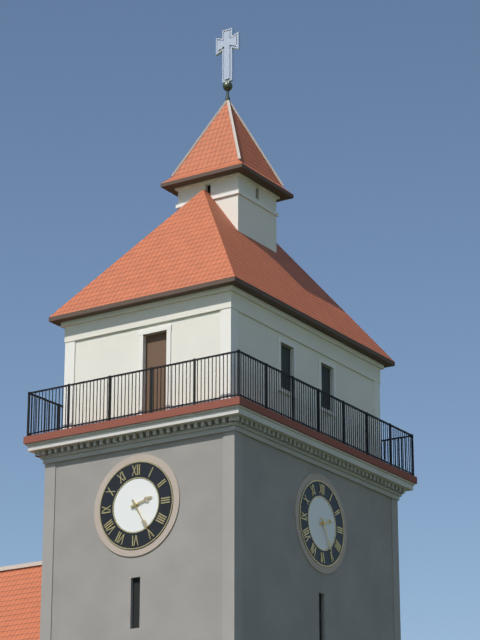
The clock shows h=2 m=25
